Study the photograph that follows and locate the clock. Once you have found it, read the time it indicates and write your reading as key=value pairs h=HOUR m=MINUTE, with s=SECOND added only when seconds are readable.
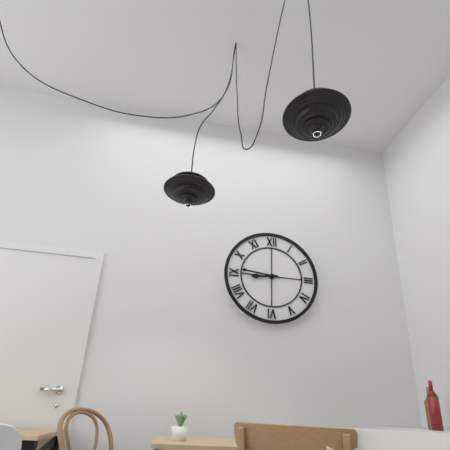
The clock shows h=8 m=46
